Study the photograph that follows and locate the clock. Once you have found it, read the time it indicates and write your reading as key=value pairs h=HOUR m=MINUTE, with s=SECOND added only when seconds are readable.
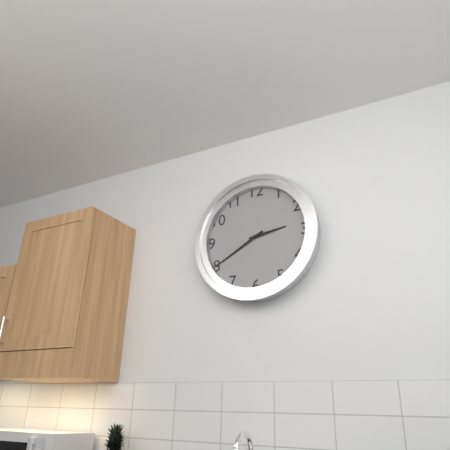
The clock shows h=2 m=40
